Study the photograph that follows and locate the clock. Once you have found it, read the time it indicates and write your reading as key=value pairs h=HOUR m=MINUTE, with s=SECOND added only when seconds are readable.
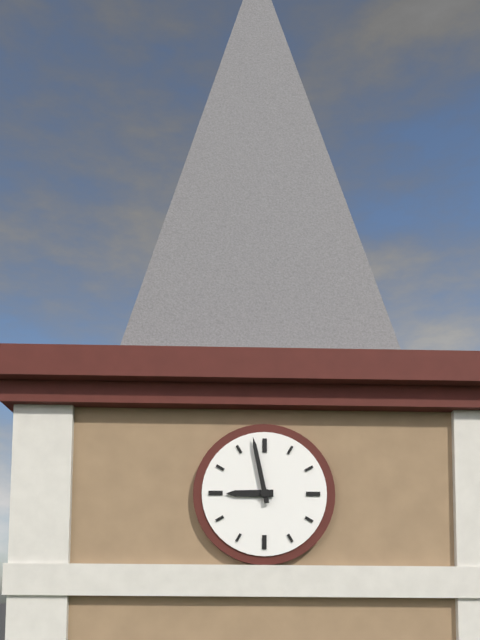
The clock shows h=8 m=58
